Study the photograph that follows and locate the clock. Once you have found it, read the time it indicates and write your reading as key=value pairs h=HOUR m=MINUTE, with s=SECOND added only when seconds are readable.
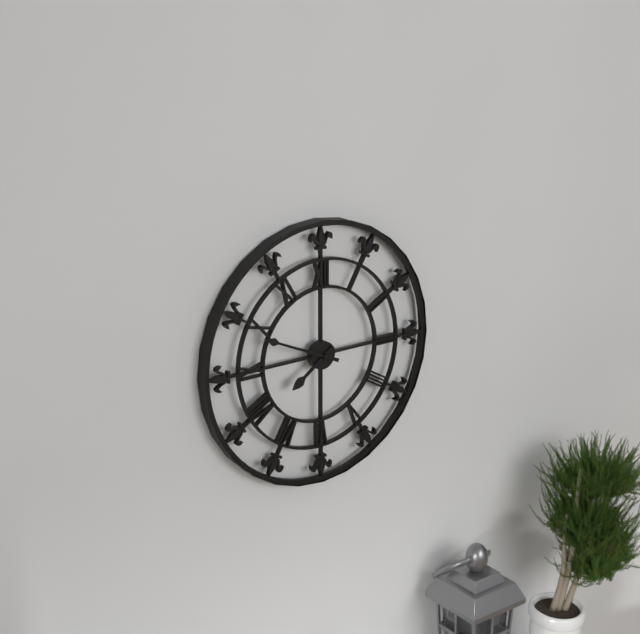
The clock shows h=7 m=49
